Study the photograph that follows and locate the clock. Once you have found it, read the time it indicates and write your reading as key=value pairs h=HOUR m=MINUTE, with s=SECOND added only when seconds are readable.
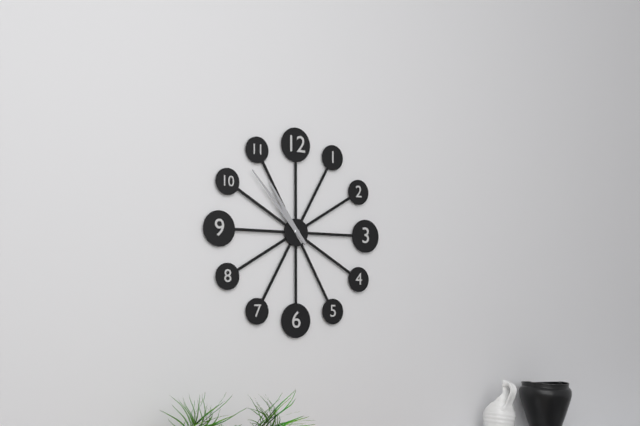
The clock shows h=10 m=53
